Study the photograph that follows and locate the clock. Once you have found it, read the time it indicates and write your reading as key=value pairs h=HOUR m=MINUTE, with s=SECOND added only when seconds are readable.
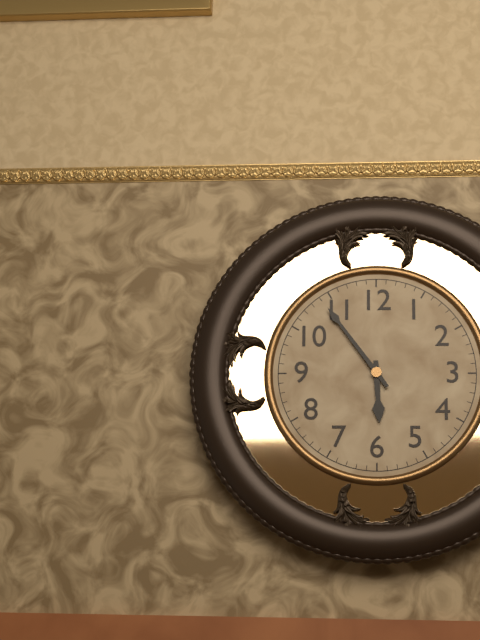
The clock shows h=5 m=54
